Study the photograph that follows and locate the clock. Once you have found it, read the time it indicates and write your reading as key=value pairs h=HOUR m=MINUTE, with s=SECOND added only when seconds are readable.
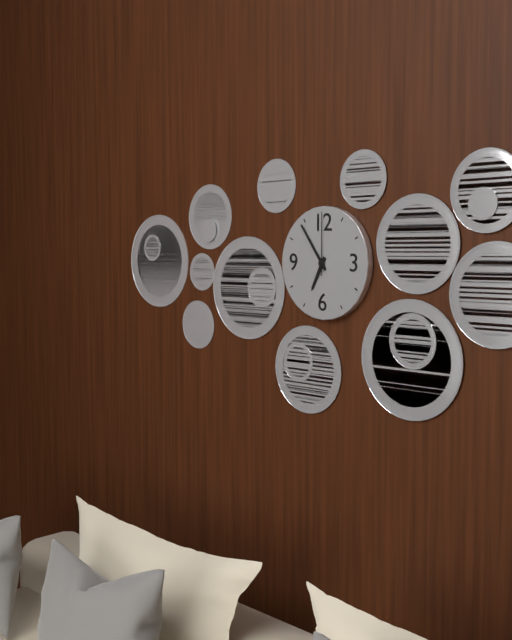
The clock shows h=6 m=54 s=0
